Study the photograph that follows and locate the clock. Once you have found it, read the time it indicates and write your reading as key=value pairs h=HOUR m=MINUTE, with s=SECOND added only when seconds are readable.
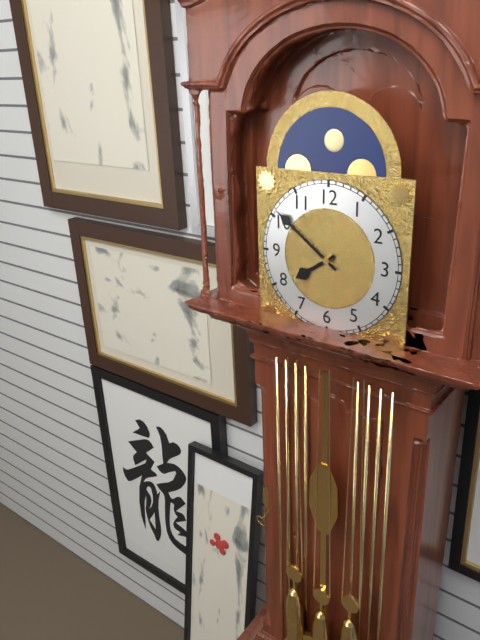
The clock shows h=7 m=51
